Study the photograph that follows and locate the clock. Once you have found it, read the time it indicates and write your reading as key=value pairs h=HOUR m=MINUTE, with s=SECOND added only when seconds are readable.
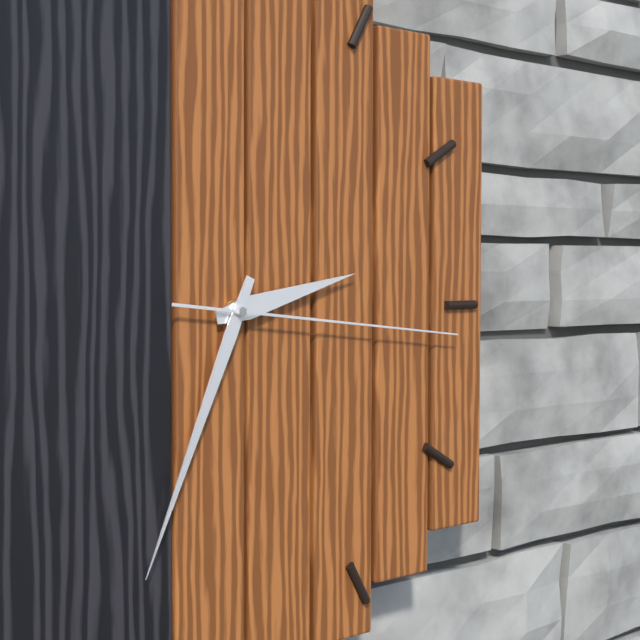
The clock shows h=2 m=34 s=16
